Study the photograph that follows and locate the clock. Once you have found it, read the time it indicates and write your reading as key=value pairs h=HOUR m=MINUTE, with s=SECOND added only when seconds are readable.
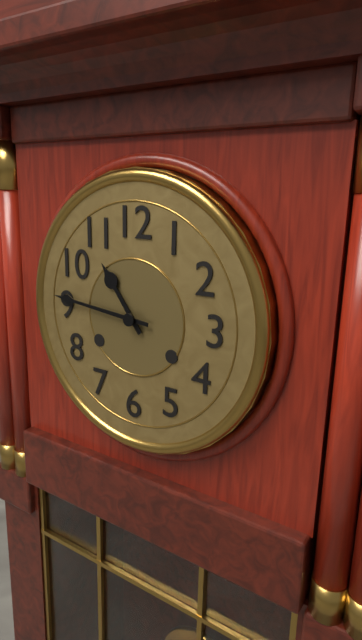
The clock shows h=10 m=46
